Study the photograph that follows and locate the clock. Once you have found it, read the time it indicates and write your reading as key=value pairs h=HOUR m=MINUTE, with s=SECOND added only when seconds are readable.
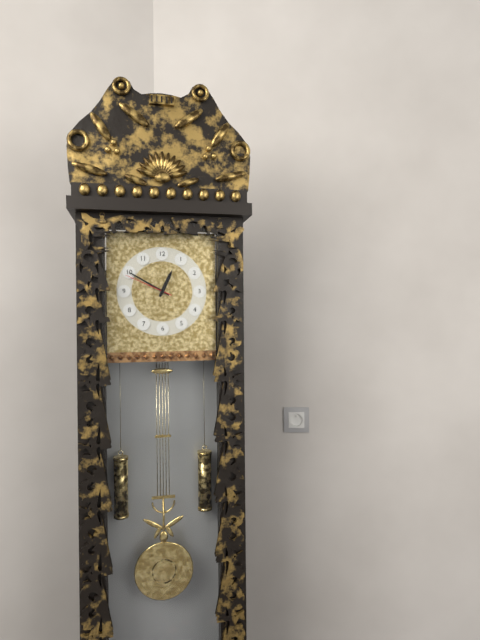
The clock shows h=12 m=50 s=49
